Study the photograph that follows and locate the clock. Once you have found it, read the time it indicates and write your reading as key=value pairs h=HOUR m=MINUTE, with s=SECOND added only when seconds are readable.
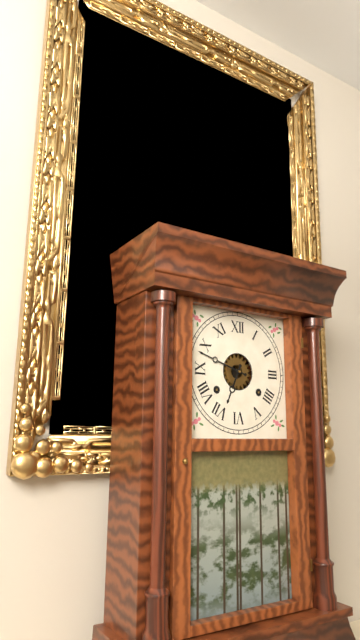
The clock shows h=6 m=48
